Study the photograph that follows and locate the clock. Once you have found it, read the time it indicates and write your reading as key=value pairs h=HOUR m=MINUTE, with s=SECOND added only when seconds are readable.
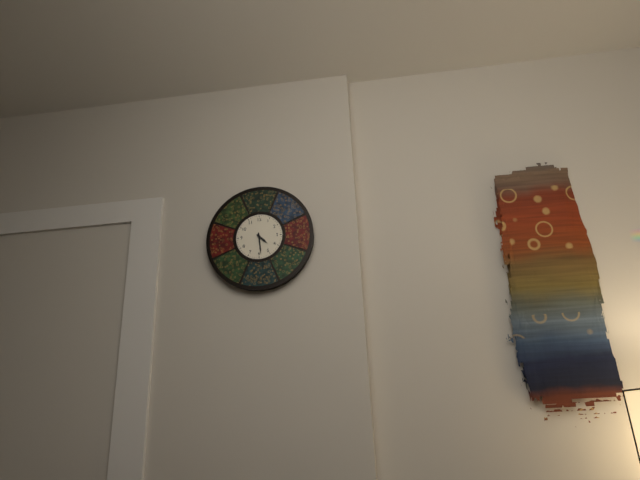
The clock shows h=4 m=29
